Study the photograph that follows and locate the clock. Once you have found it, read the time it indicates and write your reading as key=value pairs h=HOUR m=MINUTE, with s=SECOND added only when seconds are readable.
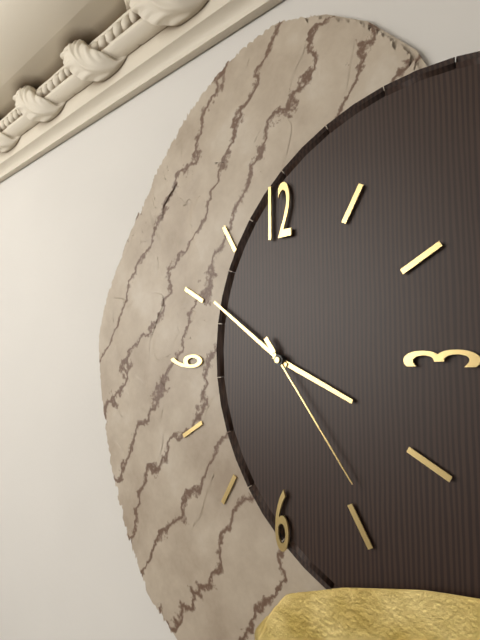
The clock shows h=3 m=51 s=24
